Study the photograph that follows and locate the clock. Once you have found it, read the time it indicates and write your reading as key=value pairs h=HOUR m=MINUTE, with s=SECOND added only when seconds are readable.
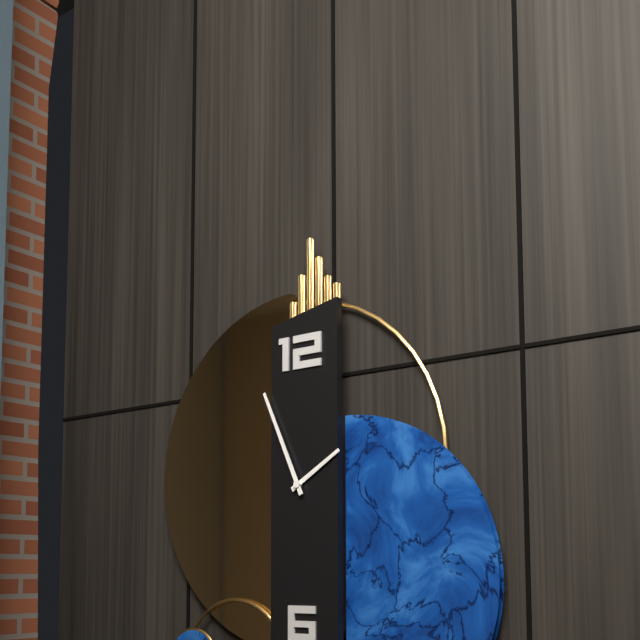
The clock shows h=1 m=56
